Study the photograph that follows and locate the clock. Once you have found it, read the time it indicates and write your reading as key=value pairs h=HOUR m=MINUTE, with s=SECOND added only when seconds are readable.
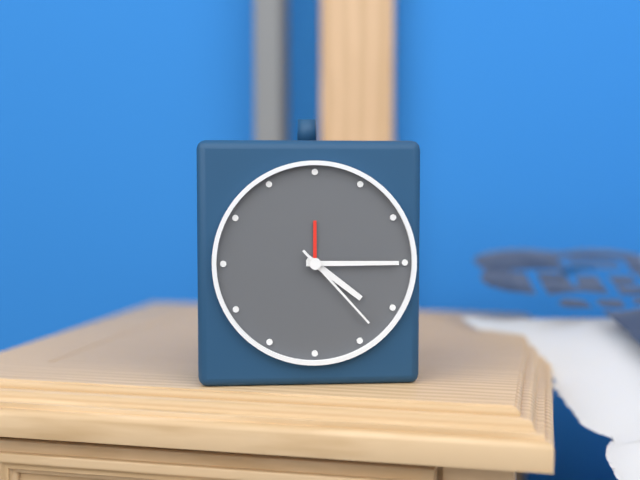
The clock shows h=4 m=15 s=23
